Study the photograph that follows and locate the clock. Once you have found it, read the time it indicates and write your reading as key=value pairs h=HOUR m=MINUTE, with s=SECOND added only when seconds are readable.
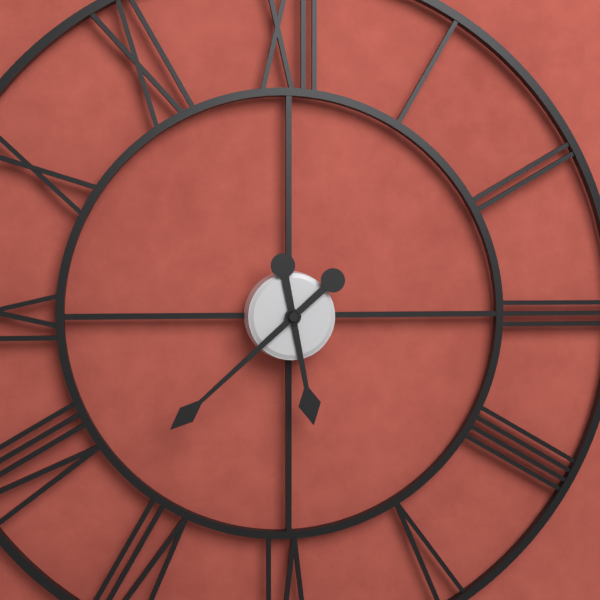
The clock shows h=5 m=38
